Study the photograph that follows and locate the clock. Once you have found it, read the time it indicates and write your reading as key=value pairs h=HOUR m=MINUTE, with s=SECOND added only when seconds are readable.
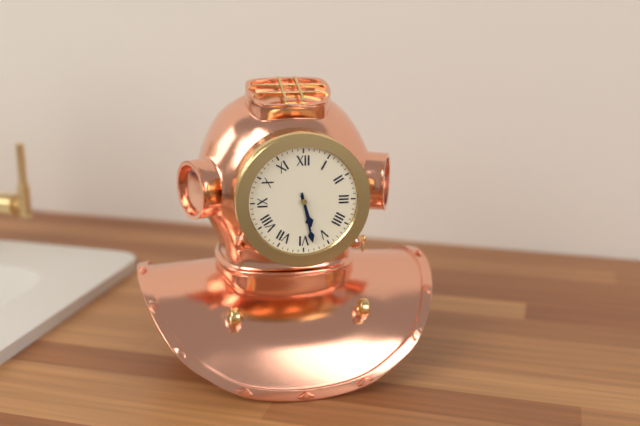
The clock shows h=5 m=28
